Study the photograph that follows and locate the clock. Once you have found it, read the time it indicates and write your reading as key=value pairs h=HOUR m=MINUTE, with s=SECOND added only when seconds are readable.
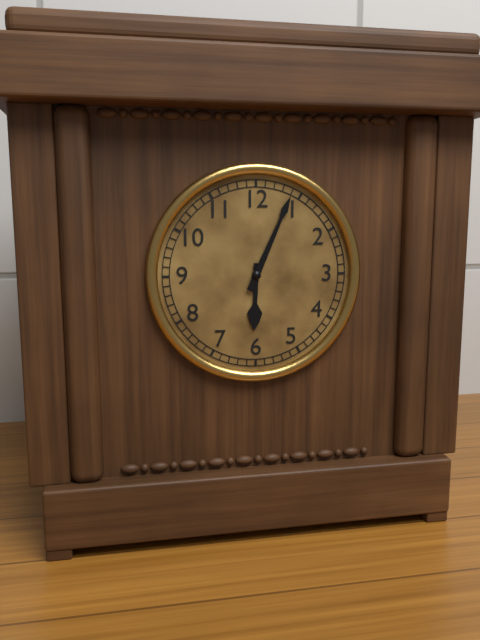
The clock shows h=6 m=4
